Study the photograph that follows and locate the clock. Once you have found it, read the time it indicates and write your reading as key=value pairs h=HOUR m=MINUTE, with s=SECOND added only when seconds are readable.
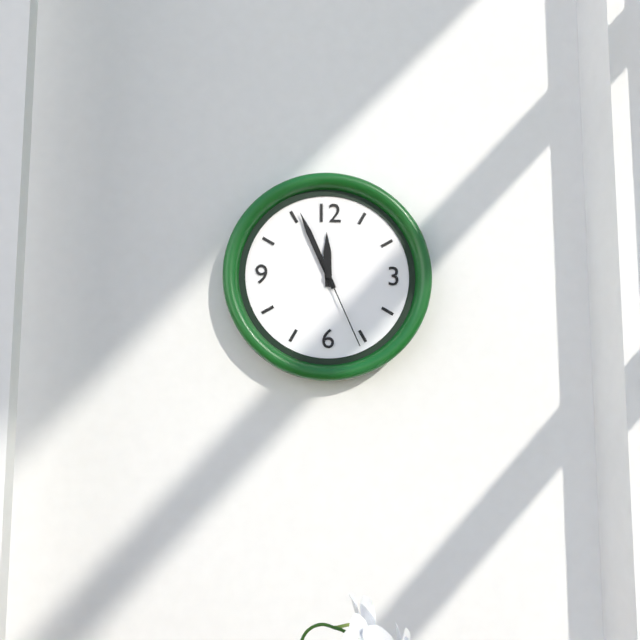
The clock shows h=11 m=56 s=26
